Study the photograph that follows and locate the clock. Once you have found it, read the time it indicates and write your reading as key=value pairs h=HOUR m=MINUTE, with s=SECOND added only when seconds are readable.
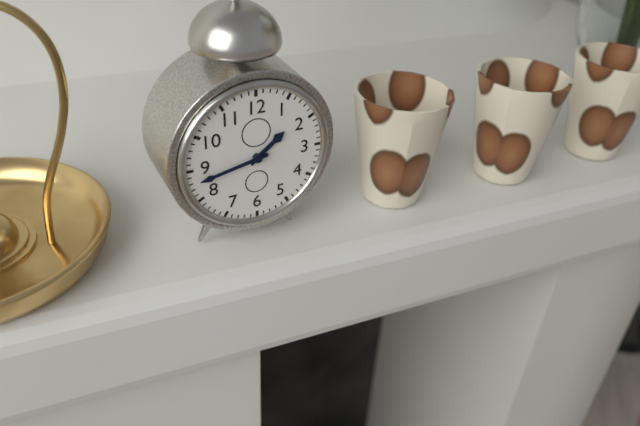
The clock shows h=1 m=43
